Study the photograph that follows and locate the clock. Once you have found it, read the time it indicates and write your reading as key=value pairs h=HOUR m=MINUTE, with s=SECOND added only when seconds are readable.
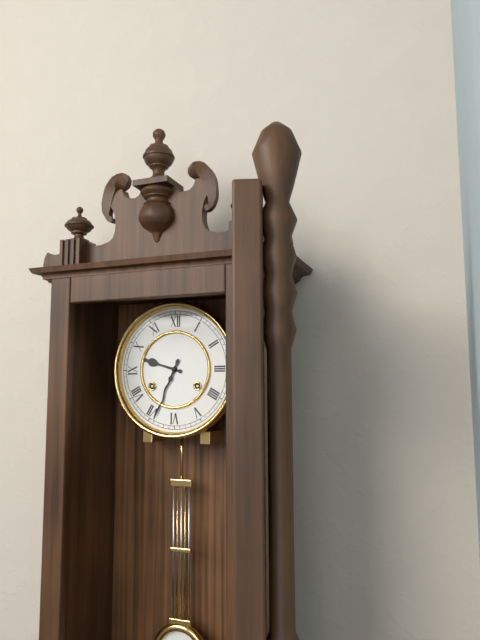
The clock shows h=9 m=34
